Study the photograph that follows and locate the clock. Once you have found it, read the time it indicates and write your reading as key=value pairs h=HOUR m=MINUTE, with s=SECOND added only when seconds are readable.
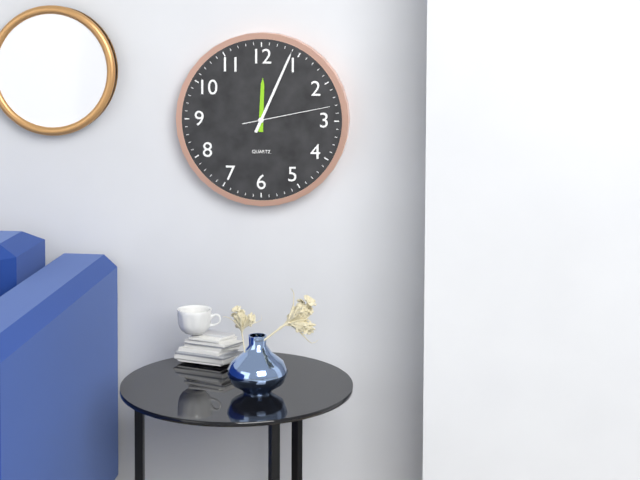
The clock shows h=12 m=4 s=13
